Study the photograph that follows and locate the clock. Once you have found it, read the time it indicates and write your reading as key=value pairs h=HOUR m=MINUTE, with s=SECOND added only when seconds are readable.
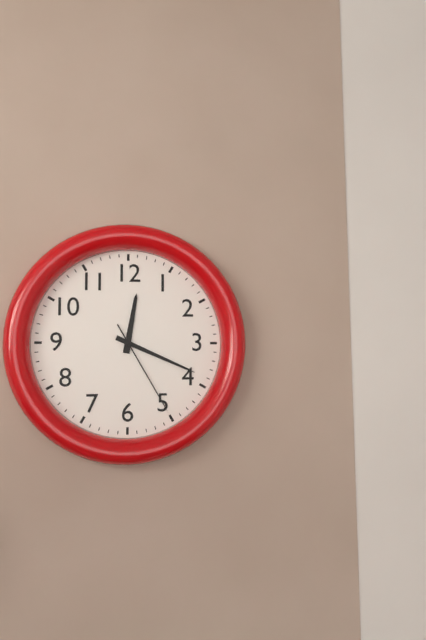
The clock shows h=12 m=19 s=25
